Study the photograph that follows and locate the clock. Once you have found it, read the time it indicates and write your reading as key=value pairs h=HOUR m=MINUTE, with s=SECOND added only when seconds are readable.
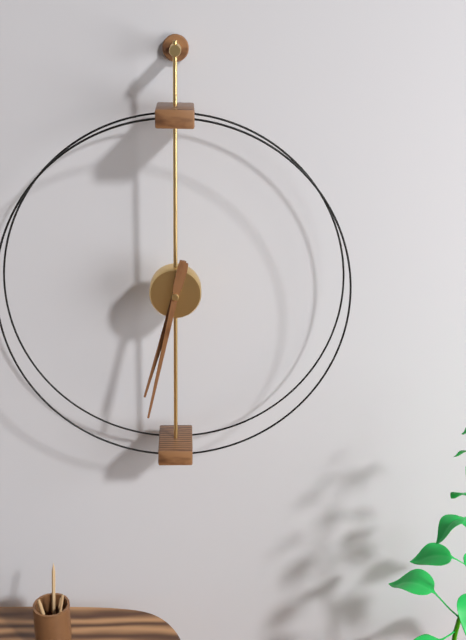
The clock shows h=6 m=32
